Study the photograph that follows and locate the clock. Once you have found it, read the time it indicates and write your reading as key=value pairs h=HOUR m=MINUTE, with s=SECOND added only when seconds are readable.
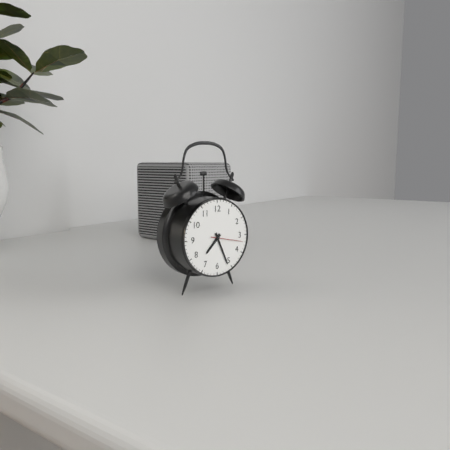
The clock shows h=7 m=26
